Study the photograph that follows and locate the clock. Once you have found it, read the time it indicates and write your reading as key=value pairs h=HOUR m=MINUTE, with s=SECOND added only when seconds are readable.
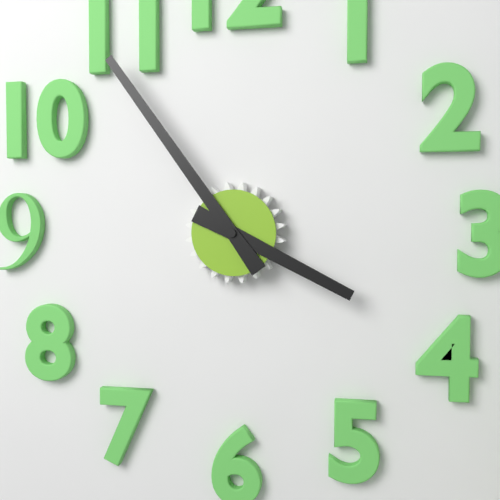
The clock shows h=3 m=54
